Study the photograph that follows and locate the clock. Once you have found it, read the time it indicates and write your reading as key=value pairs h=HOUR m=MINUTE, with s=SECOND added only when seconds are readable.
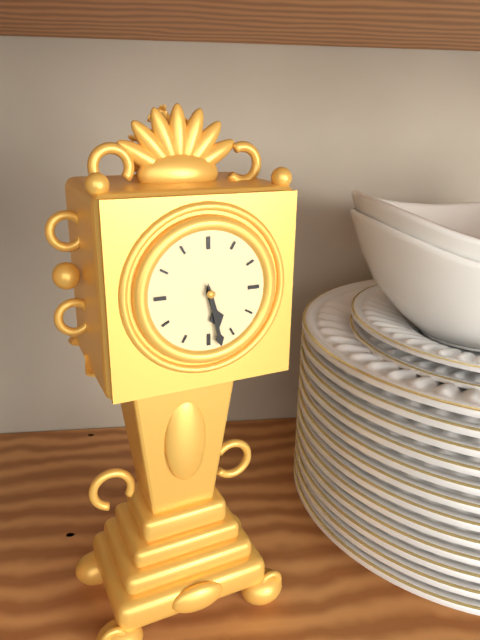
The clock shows h=5 m=28
